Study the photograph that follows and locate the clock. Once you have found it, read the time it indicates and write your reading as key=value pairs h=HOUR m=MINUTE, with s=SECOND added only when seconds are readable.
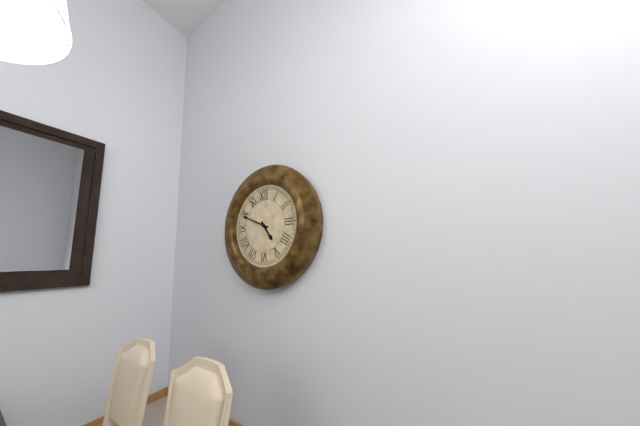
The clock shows h=4 m=49
